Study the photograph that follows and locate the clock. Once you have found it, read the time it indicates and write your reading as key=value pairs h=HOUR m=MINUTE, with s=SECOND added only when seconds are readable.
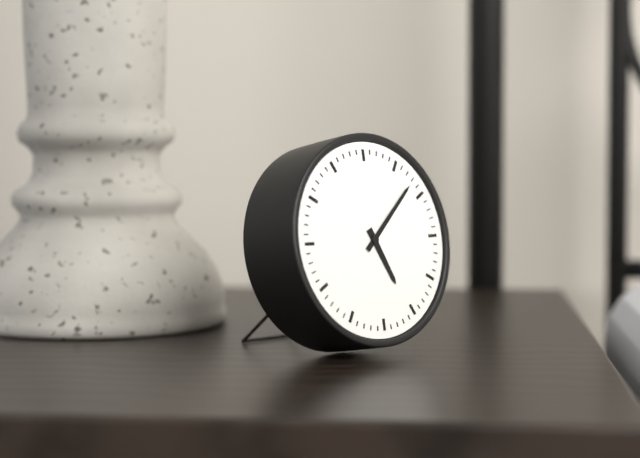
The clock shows h=5 m=8
